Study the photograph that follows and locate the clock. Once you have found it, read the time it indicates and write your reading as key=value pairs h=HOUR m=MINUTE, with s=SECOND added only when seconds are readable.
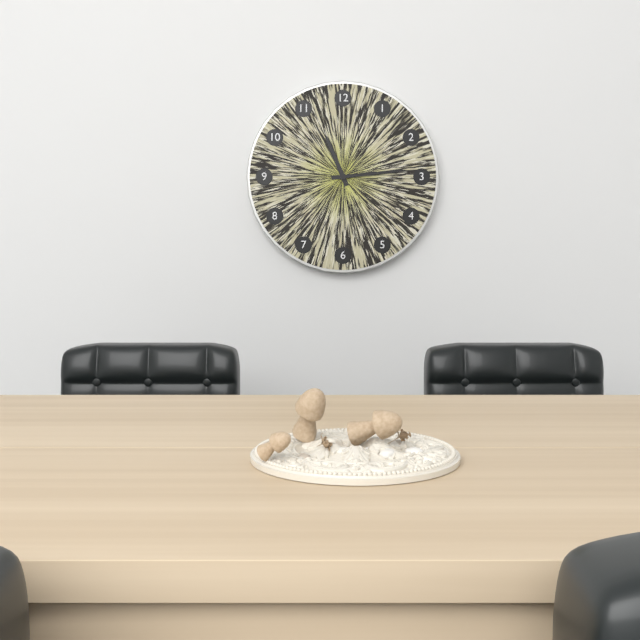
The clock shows h=11 m=14
